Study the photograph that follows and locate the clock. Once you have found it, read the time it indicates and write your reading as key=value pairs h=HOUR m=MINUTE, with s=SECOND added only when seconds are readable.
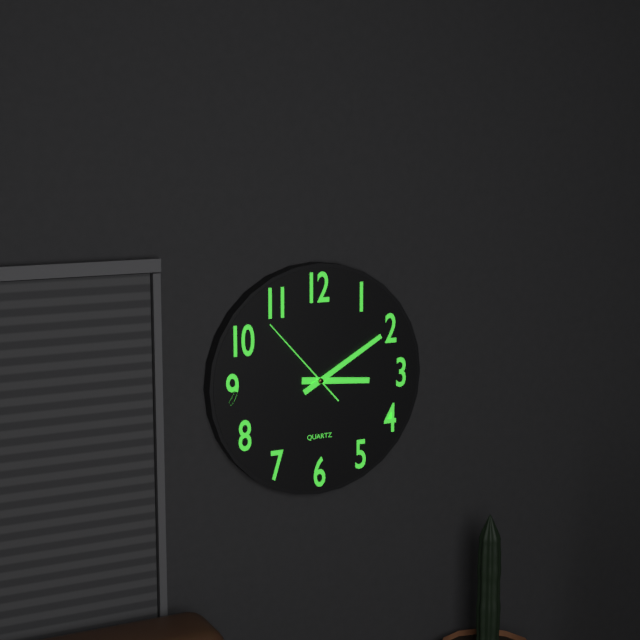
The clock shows h=3 m=10 s=53
